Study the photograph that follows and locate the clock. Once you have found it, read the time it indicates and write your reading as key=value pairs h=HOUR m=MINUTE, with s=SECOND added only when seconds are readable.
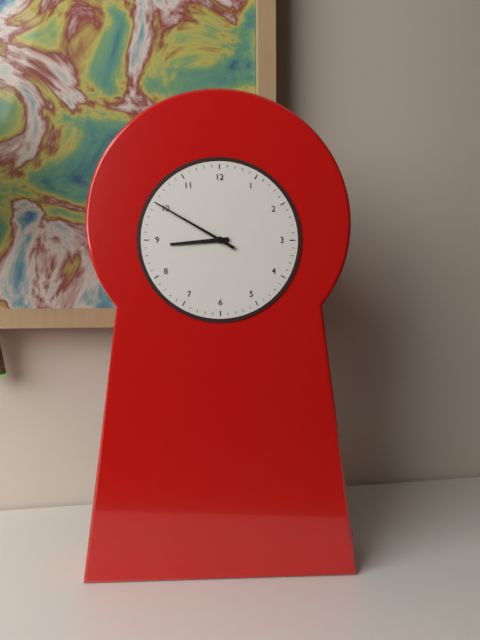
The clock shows h=8 m=50
